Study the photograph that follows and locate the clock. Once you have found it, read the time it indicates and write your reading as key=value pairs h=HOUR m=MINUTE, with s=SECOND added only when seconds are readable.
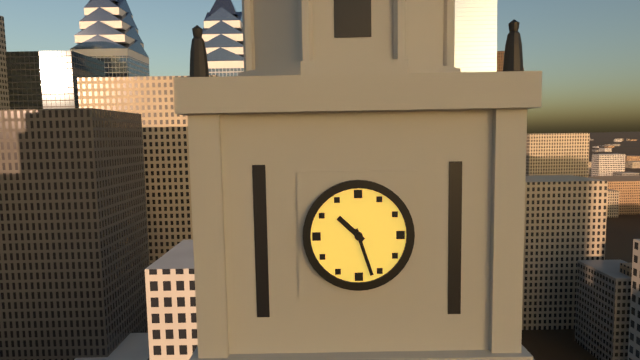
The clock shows h=10 m=27
